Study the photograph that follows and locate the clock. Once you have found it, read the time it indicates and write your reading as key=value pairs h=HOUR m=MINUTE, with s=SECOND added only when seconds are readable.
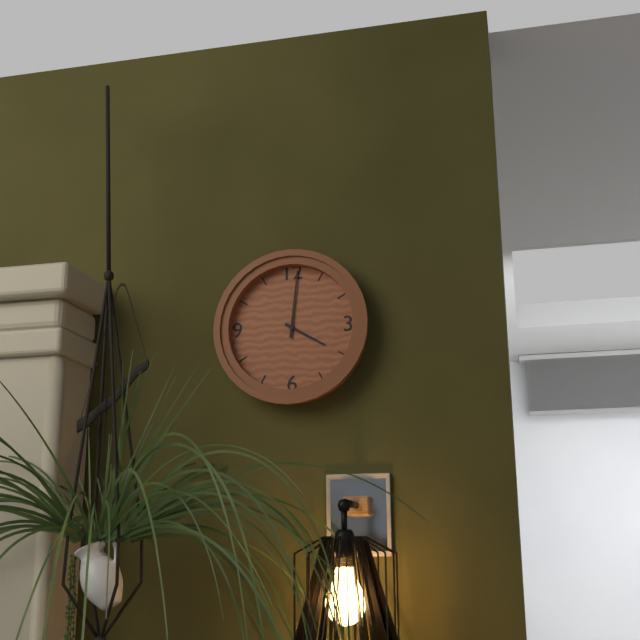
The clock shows h=4 m=1
